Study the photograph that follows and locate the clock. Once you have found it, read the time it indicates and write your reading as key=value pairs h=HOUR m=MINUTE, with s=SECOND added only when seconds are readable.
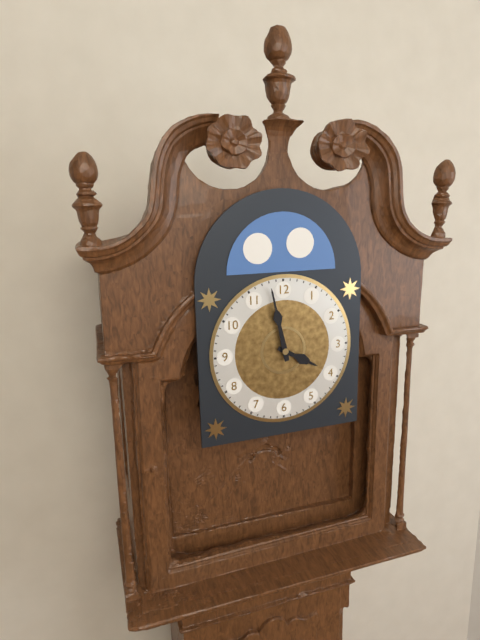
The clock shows h=3 m=58
